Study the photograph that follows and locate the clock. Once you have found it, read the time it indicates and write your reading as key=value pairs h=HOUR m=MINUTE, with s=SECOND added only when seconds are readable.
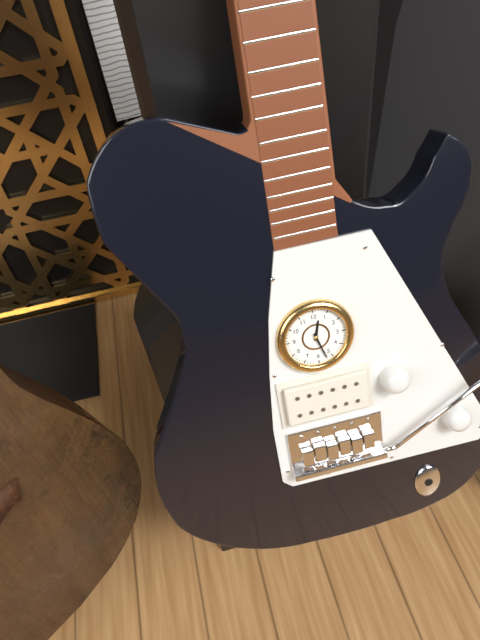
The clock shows h=12 m=27
